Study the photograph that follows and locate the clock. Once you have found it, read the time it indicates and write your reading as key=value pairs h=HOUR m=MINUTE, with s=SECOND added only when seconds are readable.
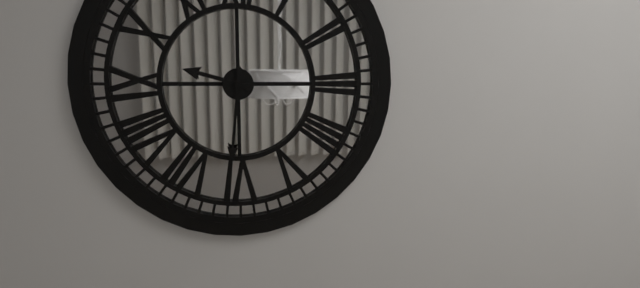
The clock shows h=9 m=31
